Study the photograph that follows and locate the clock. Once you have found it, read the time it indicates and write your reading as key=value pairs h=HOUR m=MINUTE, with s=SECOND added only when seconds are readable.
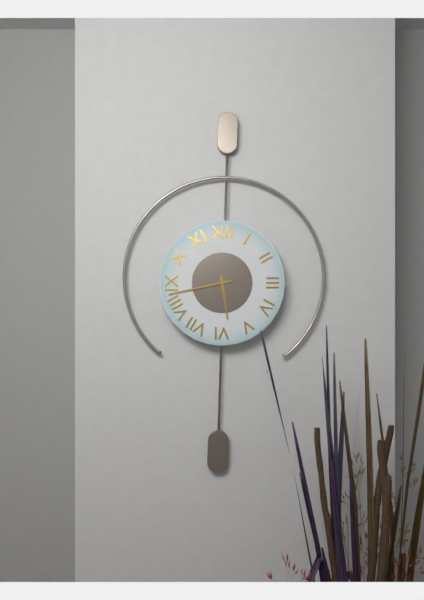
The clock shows h=5 m=43
